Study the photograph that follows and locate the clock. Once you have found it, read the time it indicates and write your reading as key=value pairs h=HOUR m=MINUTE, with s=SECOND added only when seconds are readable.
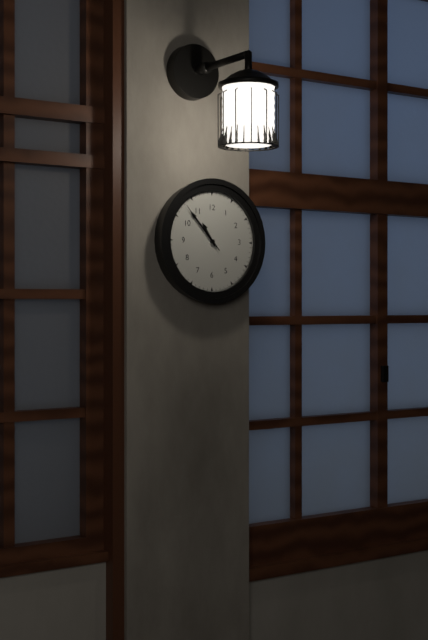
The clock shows h=10 m=53 s=53
